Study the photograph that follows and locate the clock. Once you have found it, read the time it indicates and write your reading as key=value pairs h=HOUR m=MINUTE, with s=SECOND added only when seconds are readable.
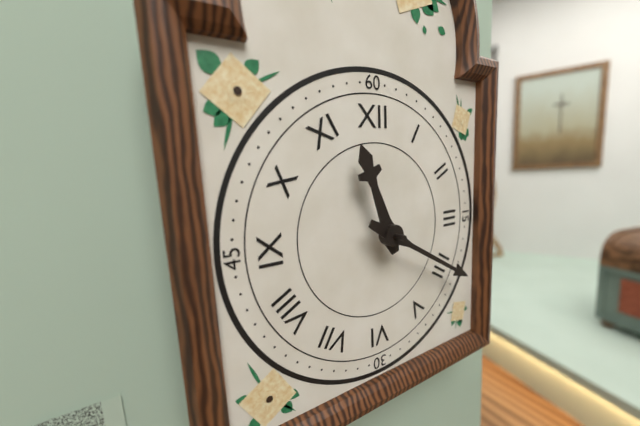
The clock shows h=11 m=20
